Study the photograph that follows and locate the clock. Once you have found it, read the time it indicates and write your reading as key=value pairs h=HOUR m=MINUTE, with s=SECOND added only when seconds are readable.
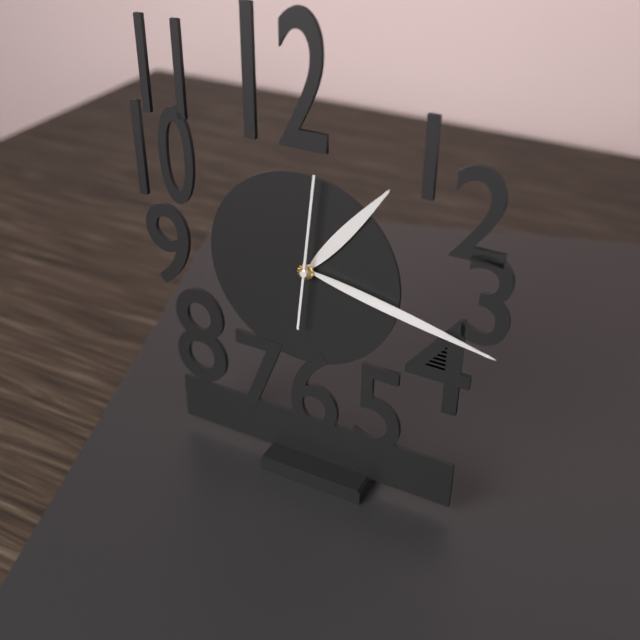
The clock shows h=1 m=17 s=1
